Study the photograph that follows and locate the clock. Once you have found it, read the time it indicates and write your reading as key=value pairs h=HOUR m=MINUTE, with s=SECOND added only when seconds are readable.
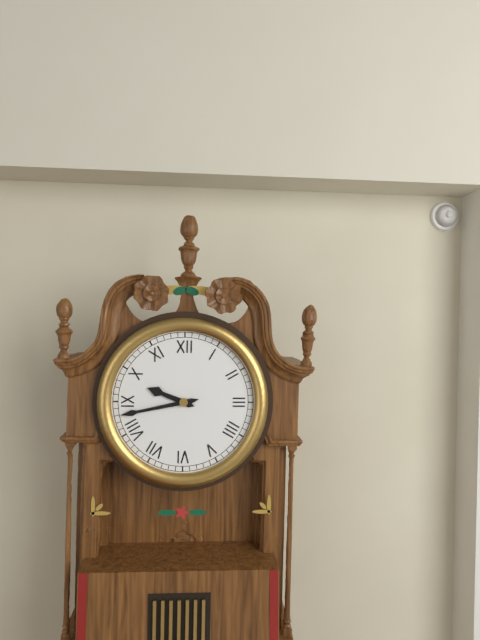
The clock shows h=9 m=43
